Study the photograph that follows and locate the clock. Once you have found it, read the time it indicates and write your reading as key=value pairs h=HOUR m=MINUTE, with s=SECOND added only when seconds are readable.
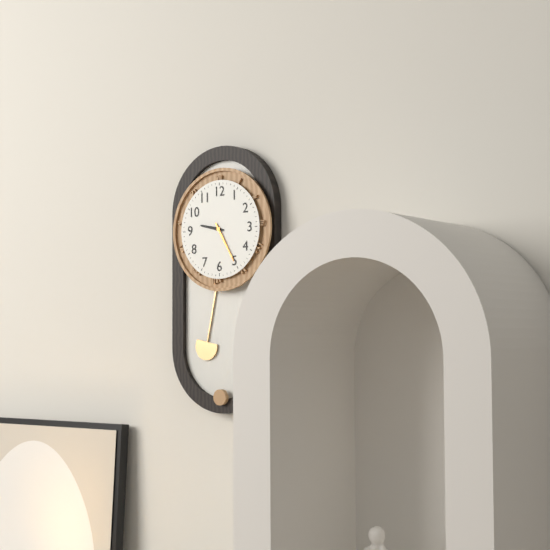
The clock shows h=9 m=25
